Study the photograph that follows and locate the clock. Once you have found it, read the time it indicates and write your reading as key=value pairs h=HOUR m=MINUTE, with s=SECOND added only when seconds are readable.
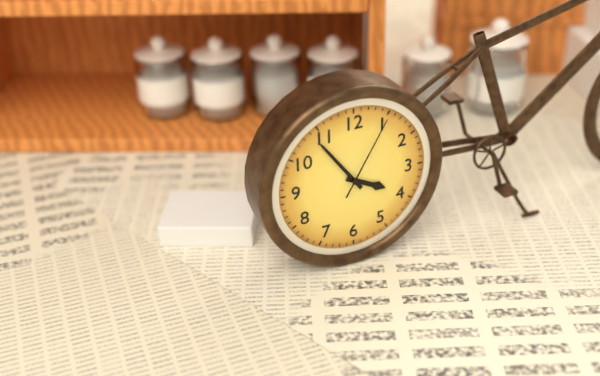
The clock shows h=3 m=54 s=5
